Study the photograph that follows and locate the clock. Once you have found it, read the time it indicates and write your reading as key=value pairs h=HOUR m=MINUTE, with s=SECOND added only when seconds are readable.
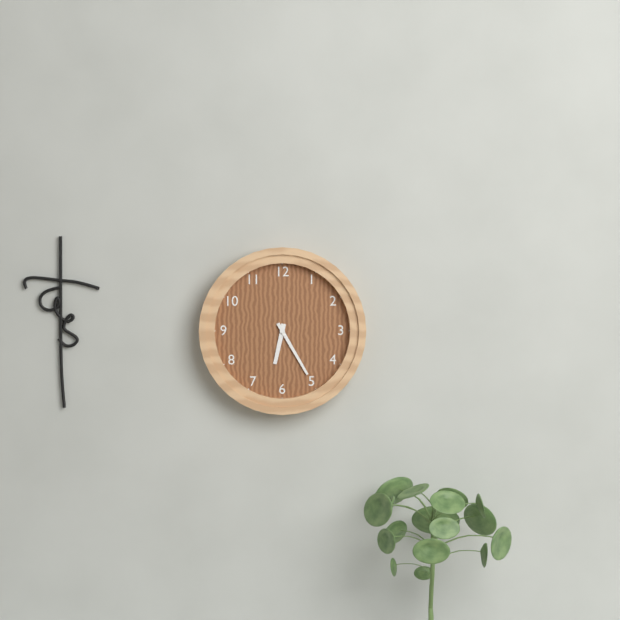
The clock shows h=6 m=25
